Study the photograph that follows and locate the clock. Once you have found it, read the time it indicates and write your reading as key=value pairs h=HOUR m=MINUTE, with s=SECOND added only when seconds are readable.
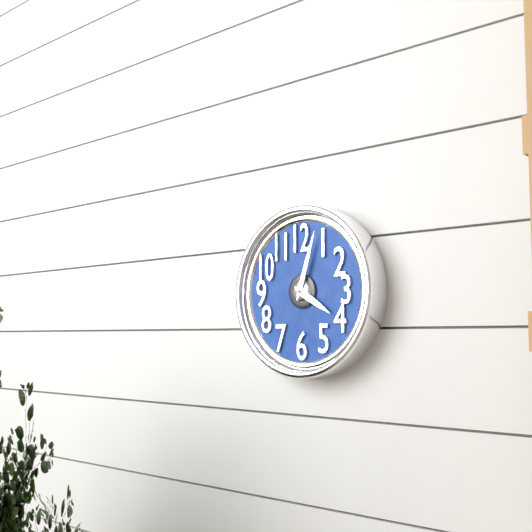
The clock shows h=4 m=3
